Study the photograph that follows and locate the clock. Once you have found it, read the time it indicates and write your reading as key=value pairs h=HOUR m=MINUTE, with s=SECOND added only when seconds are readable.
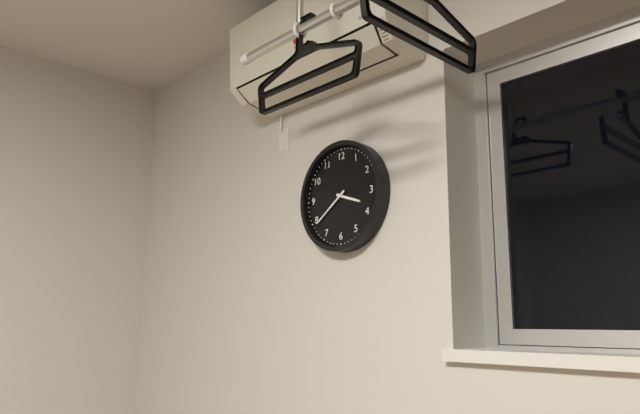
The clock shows h=3 m=39
